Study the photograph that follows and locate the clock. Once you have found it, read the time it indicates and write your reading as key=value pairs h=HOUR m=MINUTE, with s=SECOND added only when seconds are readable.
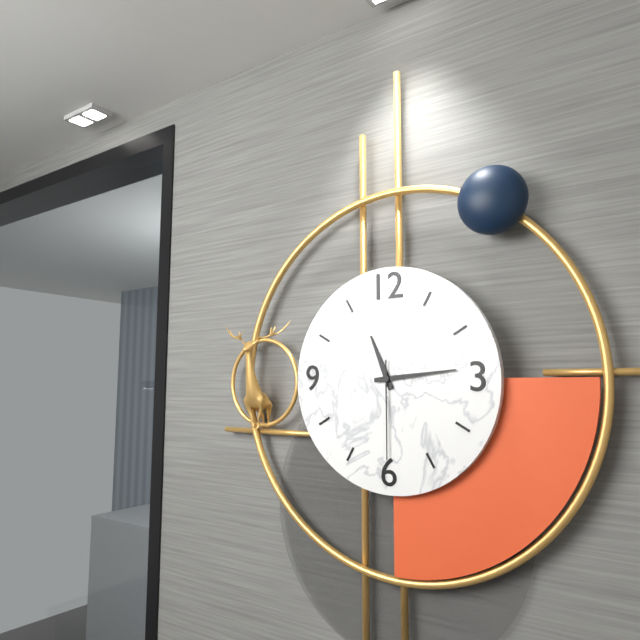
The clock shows h=11 m=14 s=30
